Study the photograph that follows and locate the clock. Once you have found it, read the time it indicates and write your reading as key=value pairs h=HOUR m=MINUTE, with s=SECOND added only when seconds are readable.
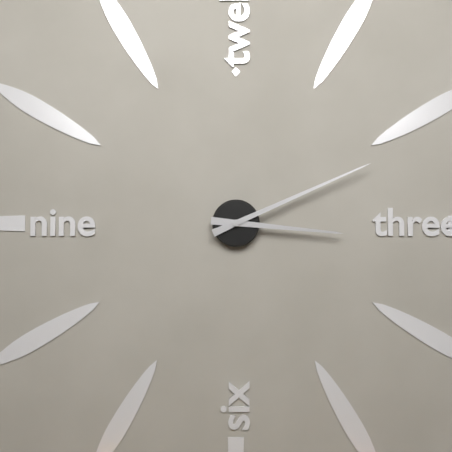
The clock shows h=3 m=11
